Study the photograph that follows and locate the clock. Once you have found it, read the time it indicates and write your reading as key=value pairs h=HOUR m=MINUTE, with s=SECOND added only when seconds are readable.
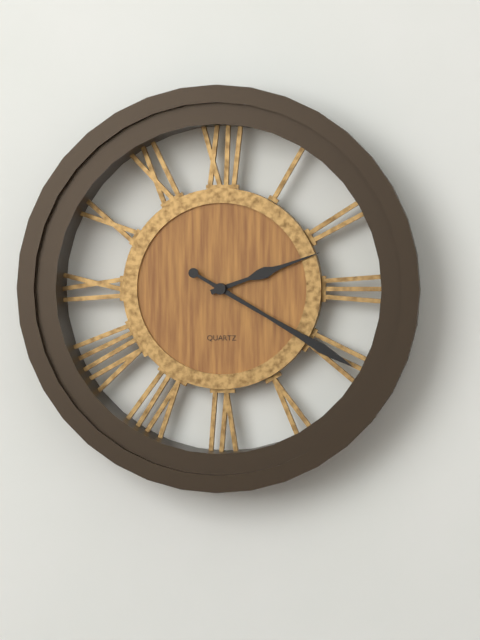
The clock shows h=2 m=20
